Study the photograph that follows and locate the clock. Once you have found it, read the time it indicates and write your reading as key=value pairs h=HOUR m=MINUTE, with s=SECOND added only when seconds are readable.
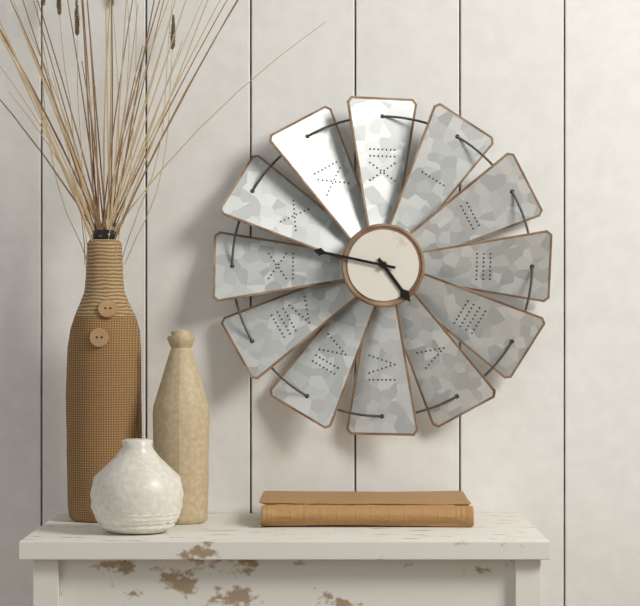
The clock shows h=4 m=47
